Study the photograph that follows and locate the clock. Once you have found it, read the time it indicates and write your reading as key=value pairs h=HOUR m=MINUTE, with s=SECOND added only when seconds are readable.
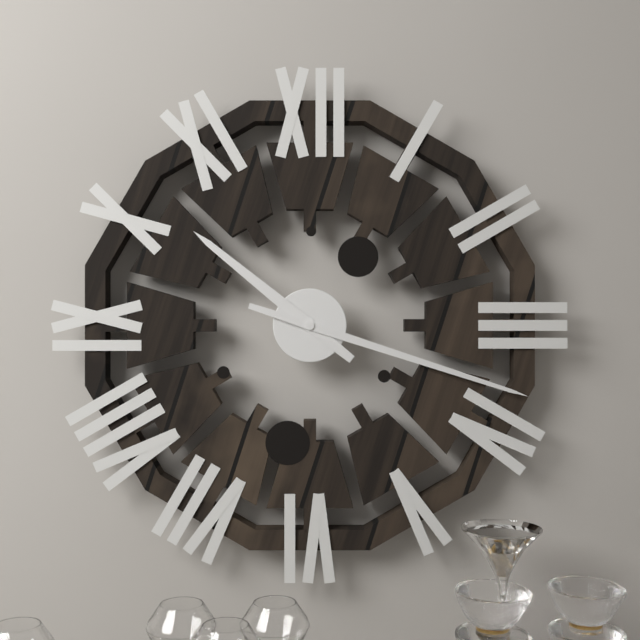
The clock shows h=10 m=18
